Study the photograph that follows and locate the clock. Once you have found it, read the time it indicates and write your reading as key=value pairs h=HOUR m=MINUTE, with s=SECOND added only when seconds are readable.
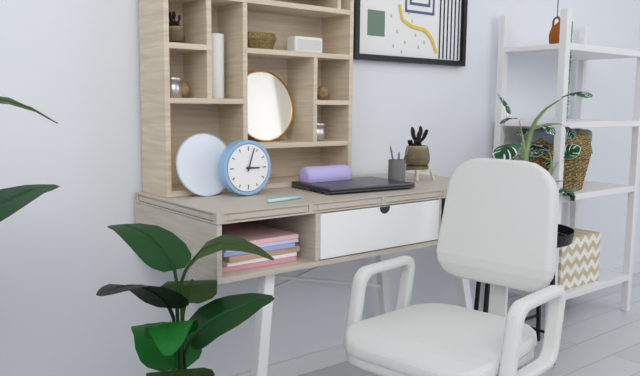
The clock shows h=3 m=3
